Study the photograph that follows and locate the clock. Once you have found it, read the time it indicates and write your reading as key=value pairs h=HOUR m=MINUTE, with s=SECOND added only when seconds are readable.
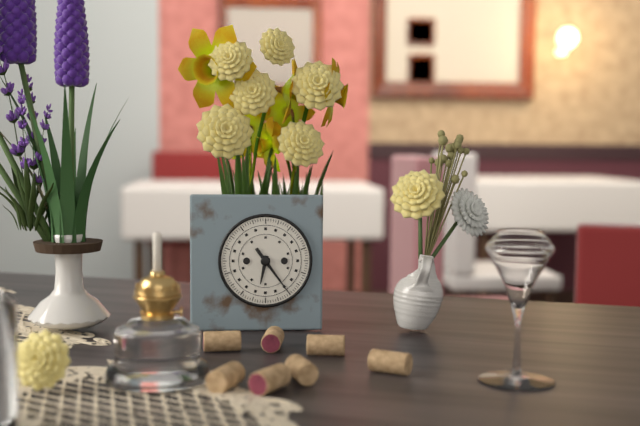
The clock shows h=6 m=24
